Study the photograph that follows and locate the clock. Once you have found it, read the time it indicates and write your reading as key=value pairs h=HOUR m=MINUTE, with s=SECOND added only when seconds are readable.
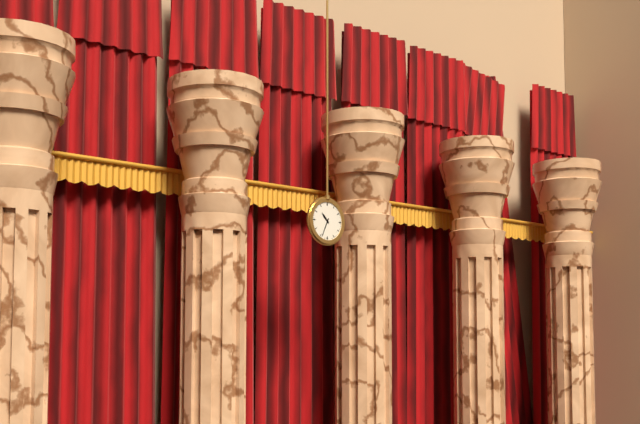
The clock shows h=10 m=34
